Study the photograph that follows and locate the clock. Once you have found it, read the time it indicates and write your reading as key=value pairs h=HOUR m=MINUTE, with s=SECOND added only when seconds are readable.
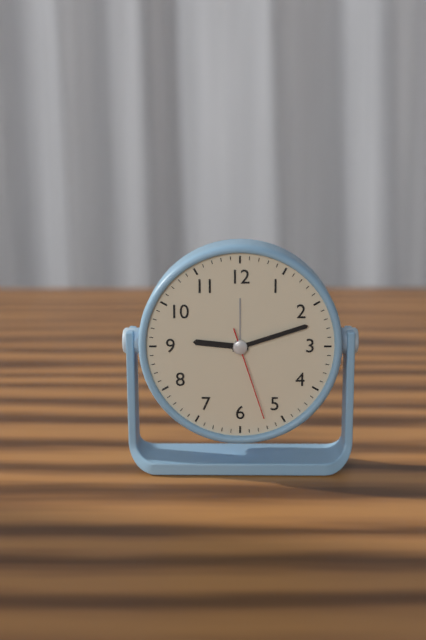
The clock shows h=9 m=12 s=27
